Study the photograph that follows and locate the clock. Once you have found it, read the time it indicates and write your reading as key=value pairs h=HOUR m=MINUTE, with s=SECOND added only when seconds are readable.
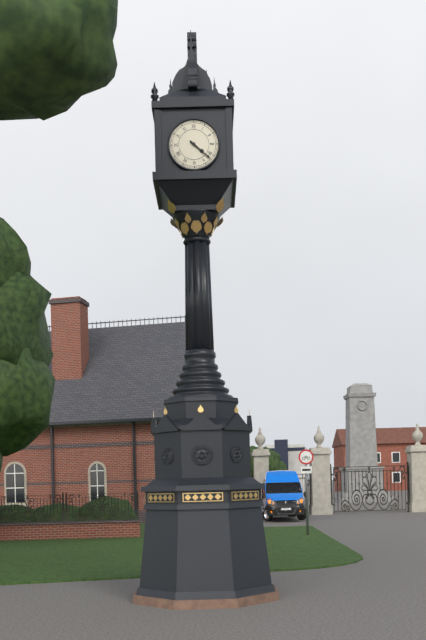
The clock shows h=4 m=22
